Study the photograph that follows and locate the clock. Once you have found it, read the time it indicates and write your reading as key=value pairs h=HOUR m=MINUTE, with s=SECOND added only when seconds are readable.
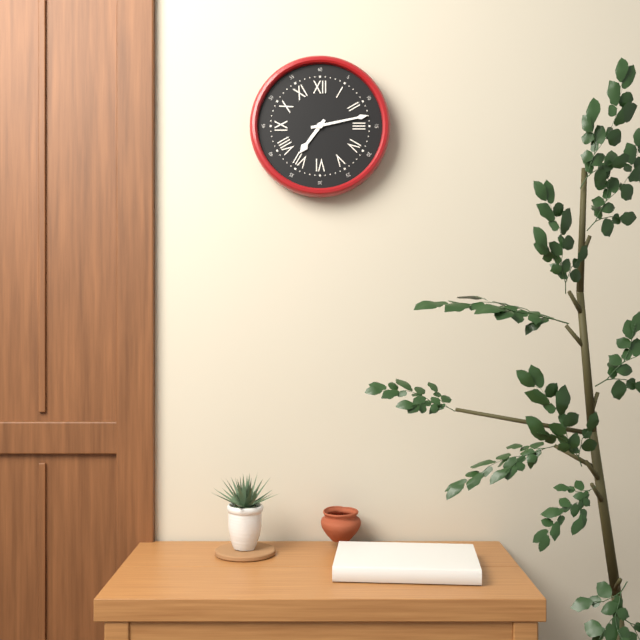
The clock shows h=7 m=13
